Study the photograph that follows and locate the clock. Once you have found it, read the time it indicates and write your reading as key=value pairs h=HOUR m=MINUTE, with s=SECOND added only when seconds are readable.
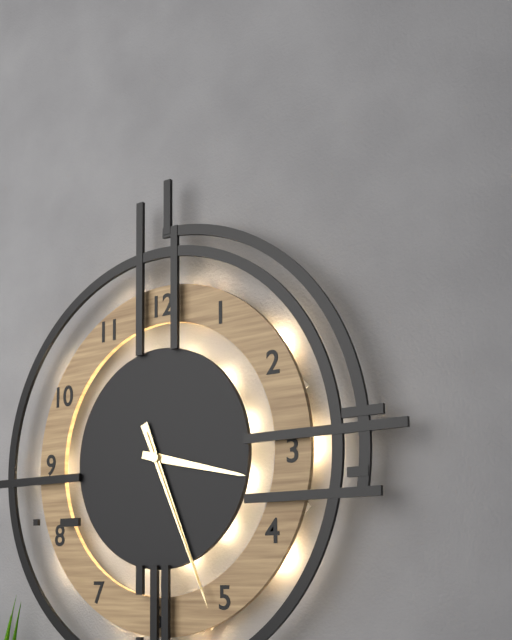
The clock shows h=3 m=26 s=26
